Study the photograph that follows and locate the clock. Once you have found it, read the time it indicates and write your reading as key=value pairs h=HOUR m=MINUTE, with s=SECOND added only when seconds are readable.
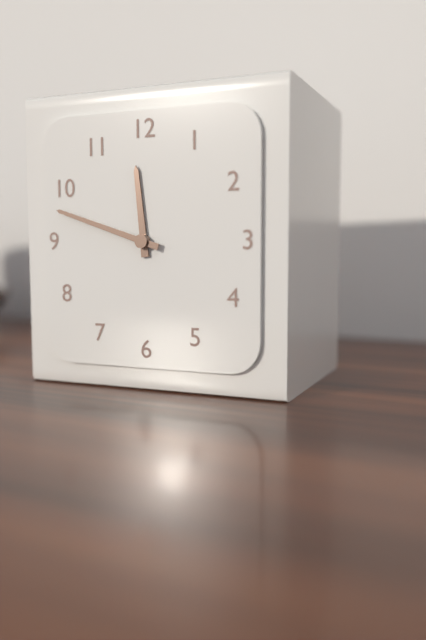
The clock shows h=11 m=48
